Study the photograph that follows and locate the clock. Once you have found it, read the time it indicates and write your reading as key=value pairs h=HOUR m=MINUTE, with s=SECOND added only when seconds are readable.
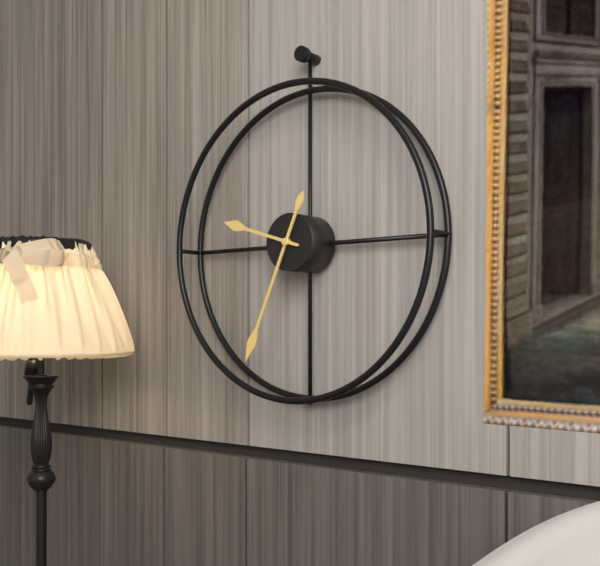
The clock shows h=9 m=34
